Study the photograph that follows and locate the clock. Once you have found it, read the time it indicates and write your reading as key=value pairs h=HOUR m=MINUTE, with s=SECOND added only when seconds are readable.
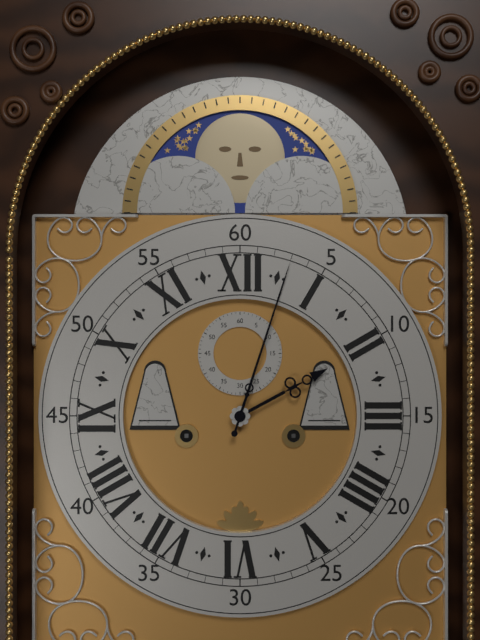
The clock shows h=2 m=3
